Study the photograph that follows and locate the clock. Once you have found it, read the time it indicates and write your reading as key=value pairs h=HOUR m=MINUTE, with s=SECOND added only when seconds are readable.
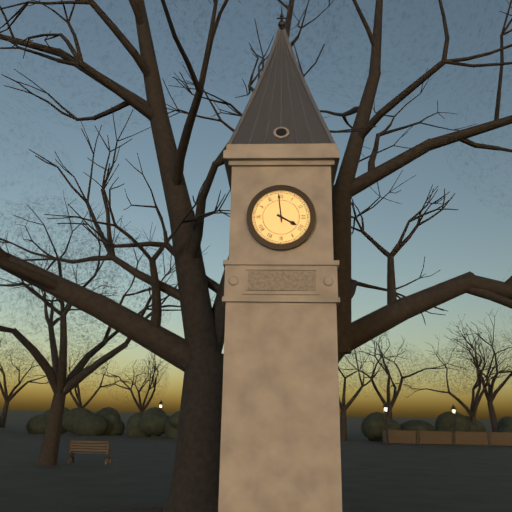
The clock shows h=3 m=59
